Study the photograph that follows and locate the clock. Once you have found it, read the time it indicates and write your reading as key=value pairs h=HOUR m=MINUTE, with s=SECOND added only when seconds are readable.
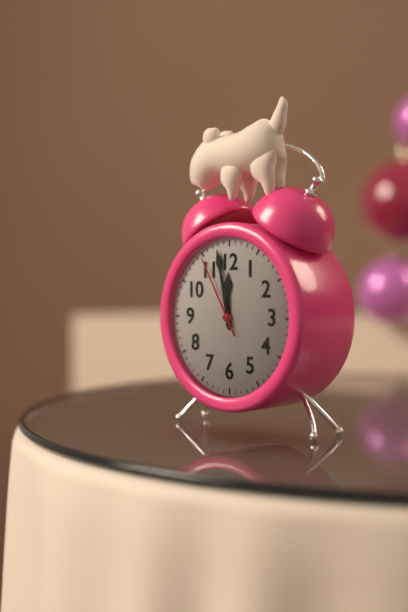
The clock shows h=11 m=58 s=55
